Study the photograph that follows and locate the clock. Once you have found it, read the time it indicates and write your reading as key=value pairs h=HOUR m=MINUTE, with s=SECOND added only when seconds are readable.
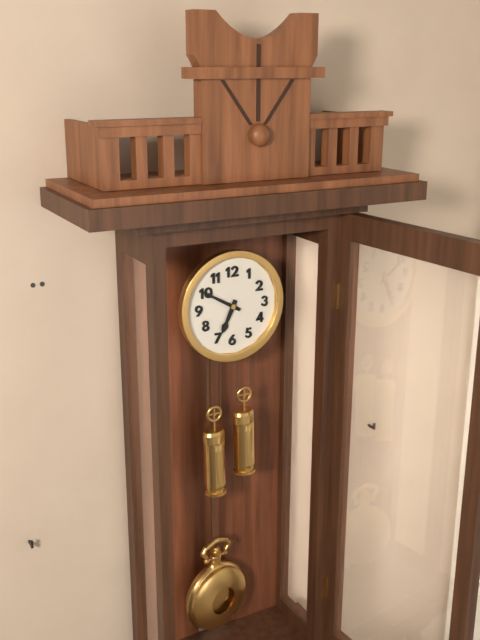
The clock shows h=6 m=50
